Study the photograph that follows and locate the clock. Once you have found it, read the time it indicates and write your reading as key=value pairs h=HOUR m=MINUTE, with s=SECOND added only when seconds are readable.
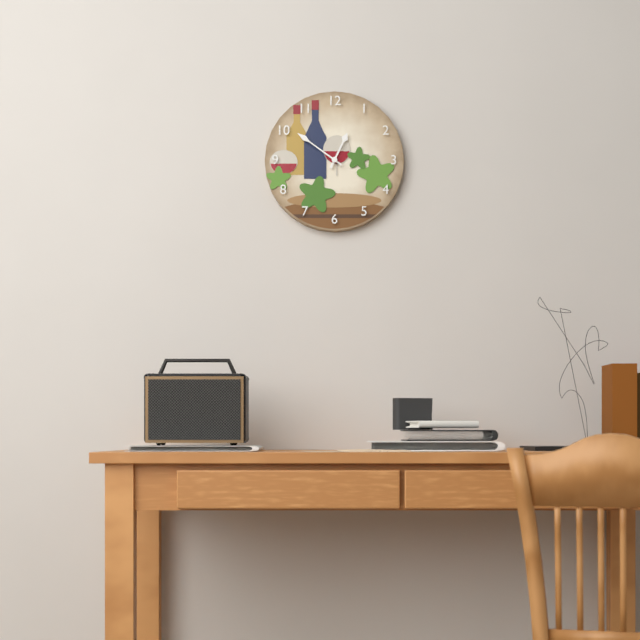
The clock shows h=12 m=51
